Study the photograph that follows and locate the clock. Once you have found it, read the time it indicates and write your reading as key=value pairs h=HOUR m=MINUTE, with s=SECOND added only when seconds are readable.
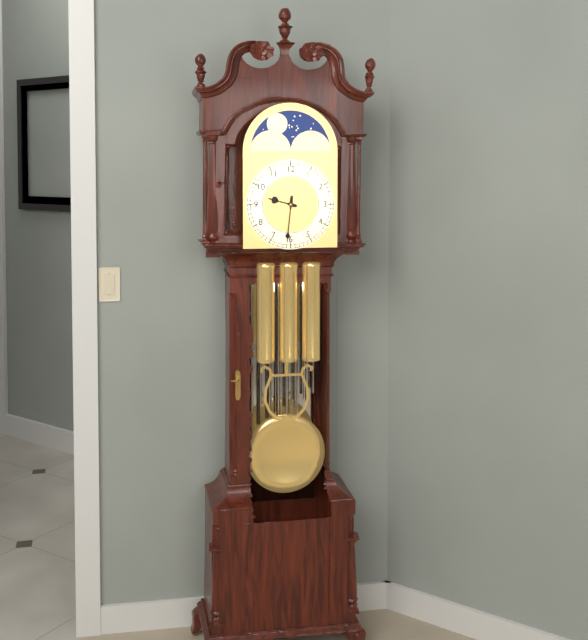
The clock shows h=9 m=31
